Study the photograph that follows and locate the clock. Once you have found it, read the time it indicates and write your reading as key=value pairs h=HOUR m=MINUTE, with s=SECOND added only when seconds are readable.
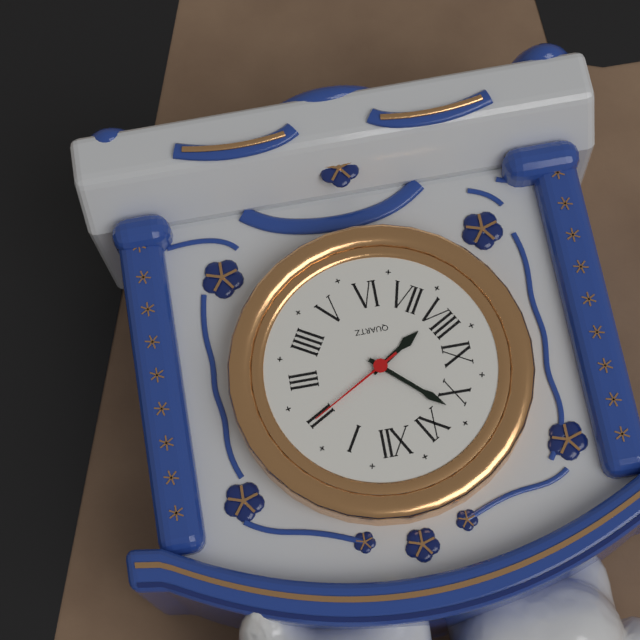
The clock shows h=7 m=52 s=10
